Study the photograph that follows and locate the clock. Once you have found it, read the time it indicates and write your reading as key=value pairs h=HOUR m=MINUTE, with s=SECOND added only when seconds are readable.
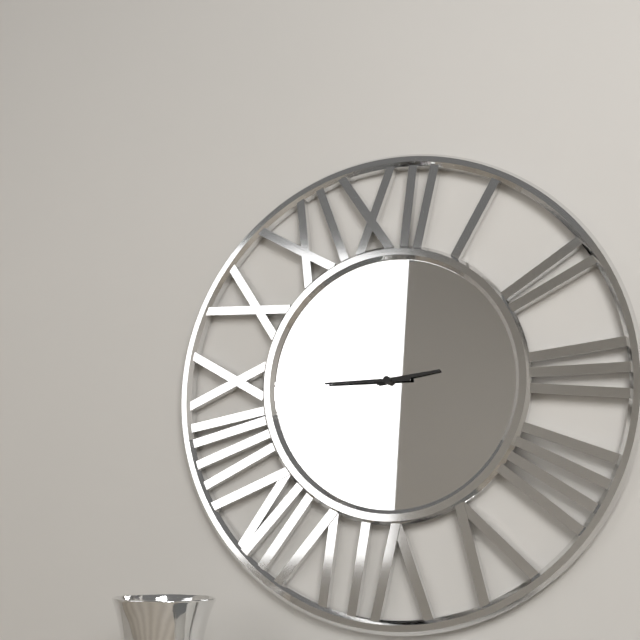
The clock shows h=2 m=45
